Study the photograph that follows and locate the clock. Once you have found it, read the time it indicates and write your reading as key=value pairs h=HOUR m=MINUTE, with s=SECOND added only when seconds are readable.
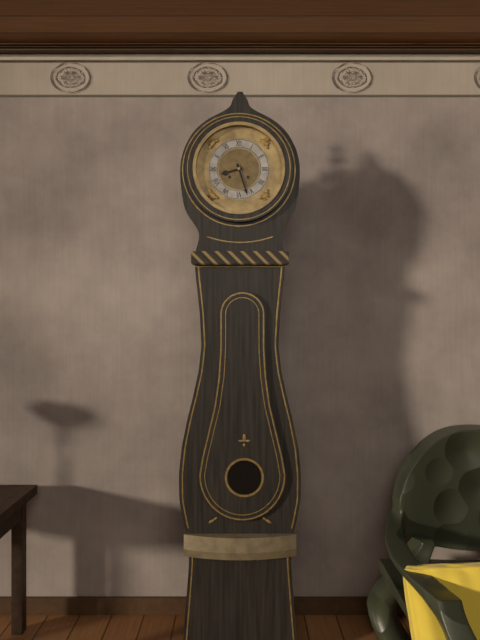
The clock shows h=8 m=27
